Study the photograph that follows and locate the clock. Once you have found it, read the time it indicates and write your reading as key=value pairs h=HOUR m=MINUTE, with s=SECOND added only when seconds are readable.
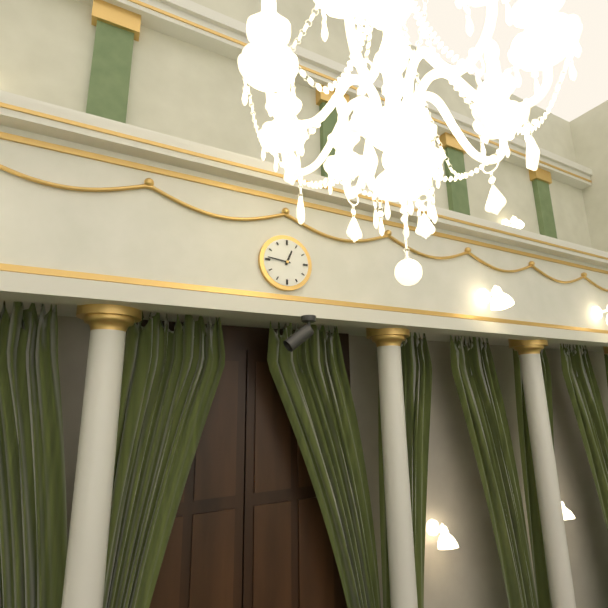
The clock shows h=12 m=46
